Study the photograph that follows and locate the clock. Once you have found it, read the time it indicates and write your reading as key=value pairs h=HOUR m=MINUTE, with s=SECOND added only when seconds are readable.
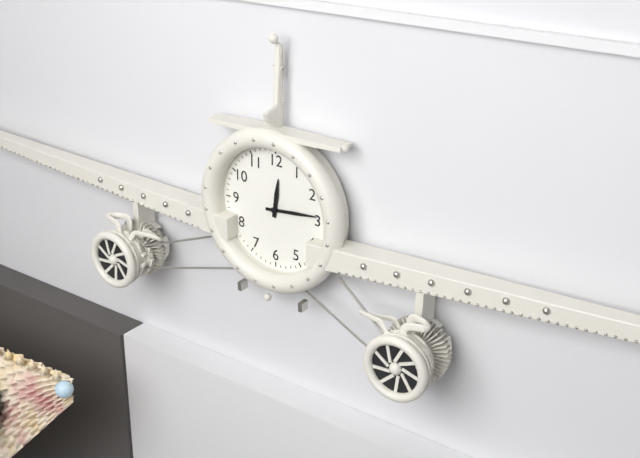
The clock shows h=12 m=14
